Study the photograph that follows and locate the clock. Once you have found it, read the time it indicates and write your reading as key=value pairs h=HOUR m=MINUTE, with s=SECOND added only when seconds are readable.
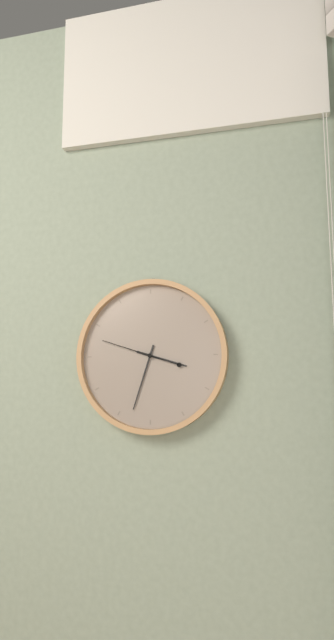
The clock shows h=3 m=33 s=48
